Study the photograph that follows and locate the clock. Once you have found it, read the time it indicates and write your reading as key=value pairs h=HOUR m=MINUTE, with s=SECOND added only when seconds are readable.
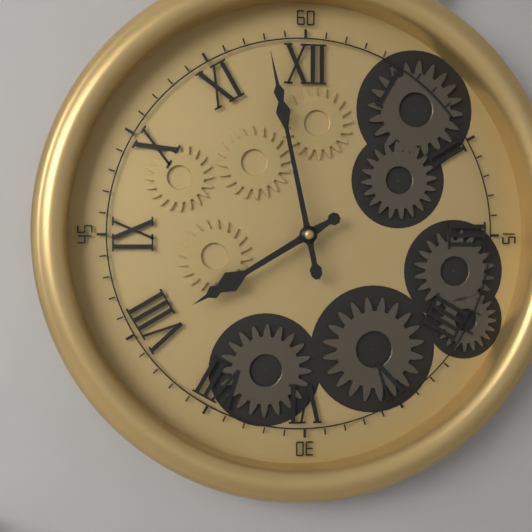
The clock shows h=7 m=58
